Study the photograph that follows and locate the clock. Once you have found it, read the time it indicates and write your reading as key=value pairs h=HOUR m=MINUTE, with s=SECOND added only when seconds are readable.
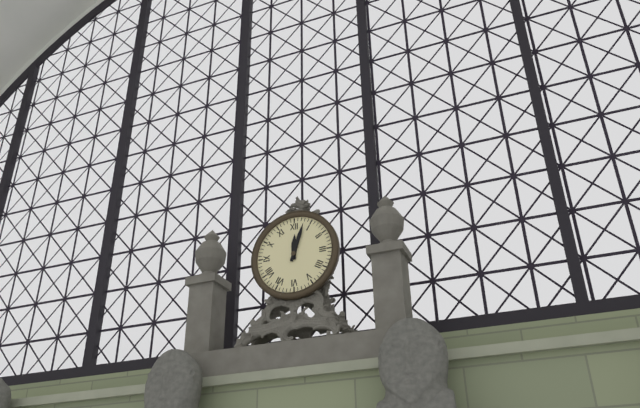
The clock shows h=12 m=3
